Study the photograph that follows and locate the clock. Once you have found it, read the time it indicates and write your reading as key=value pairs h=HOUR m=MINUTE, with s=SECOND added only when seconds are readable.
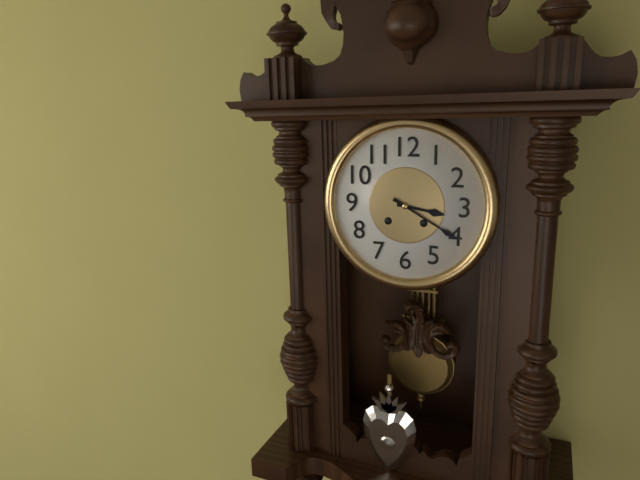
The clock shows h=3 m=20
